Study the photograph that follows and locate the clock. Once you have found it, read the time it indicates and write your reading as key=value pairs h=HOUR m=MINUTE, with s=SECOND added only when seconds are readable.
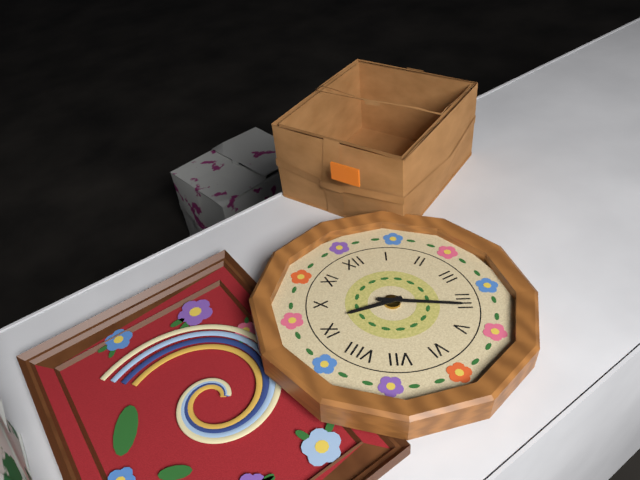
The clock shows h=9 m=21
